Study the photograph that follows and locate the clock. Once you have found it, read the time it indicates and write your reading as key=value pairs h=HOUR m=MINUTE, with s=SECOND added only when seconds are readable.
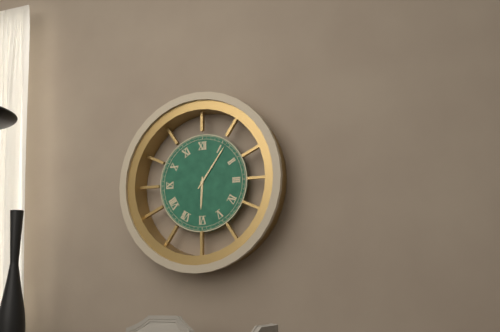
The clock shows h=6 m=6
